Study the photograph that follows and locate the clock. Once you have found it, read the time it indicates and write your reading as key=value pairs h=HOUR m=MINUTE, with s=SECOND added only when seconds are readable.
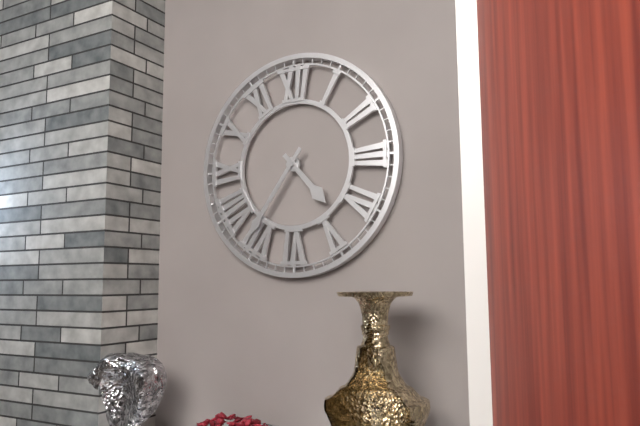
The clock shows h=4 m=36
